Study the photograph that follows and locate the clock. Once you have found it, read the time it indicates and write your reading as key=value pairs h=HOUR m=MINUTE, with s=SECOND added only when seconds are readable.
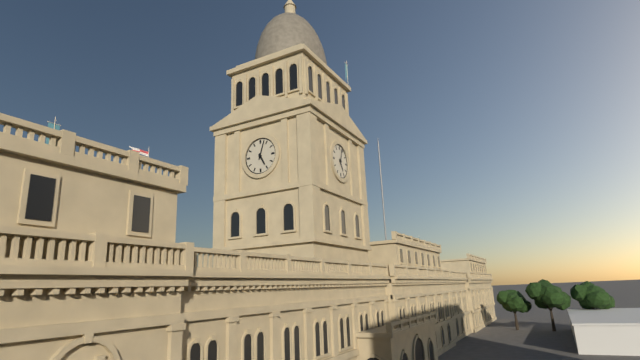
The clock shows h=5 m=3
